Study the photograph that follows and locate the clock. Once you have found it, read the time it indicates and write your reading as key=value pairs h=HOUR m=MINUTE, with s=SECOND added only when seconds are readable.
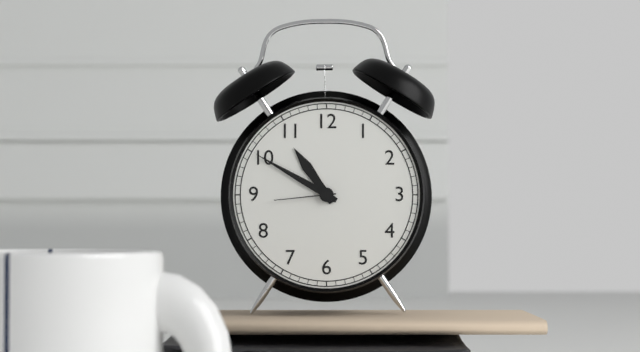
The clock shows h=10 m=50 s=44
